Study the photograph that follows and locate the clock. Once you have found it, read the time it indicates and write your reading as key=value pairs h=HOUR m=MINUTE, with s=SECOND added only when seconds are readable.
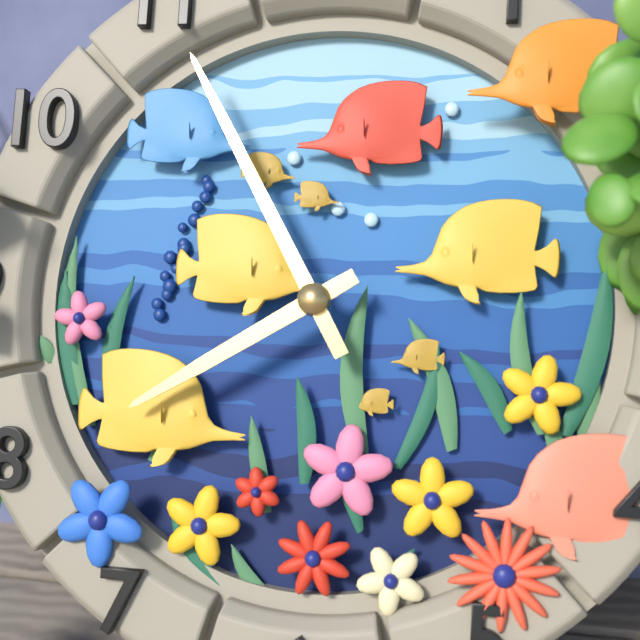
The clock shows h=7 m=55
